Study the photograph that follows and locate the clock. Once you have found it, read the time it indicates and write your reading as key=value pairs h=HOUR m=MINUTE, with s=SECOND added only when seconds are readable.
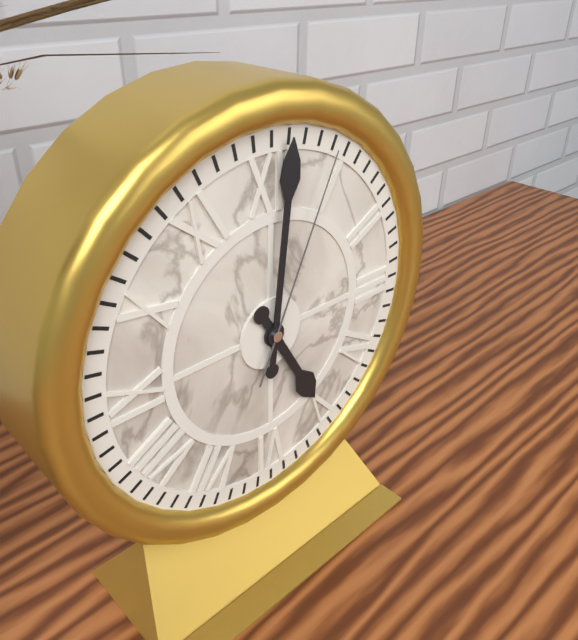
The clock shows h=5 m=1 s=4
